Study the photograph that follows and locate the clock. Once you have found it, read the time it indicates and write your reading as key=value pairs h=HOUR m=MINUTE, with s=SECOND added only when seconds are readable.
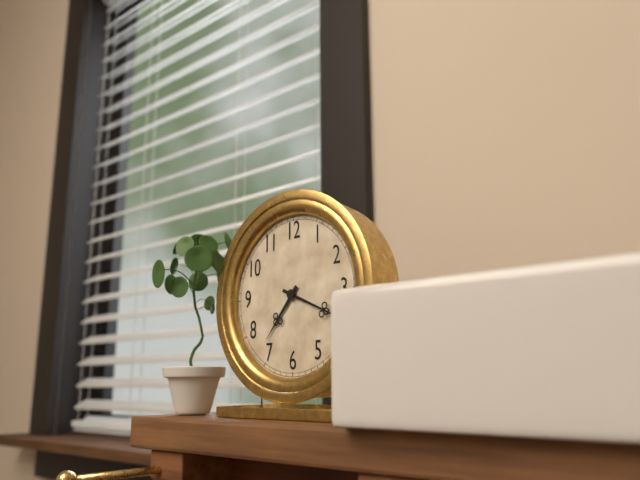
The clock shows h=7 m=19
